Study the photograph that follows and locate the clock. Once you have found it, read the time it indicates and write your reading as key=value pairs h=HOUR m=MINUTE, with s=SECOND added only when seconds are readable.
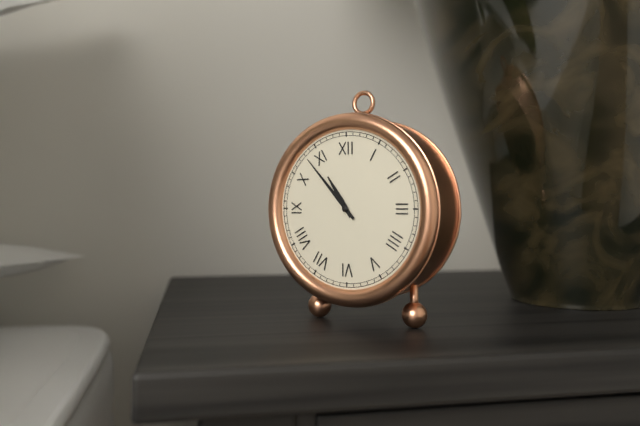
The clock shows h=10 m=53
